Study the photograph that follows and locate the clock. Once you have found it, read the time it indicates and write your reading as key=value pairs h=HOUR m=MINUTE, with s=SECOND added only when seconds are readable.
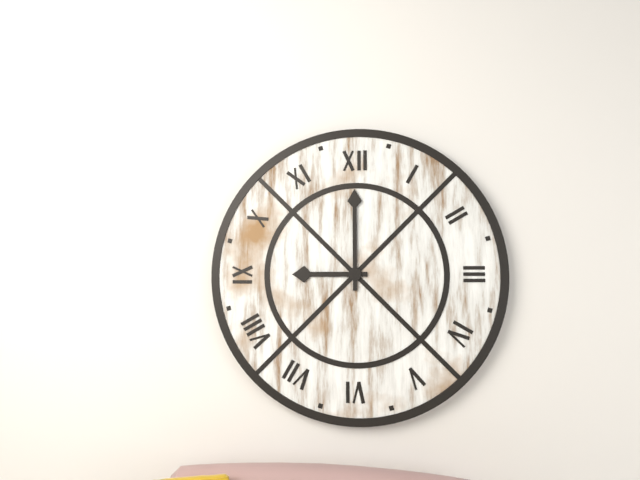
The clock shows h=9 m=0
